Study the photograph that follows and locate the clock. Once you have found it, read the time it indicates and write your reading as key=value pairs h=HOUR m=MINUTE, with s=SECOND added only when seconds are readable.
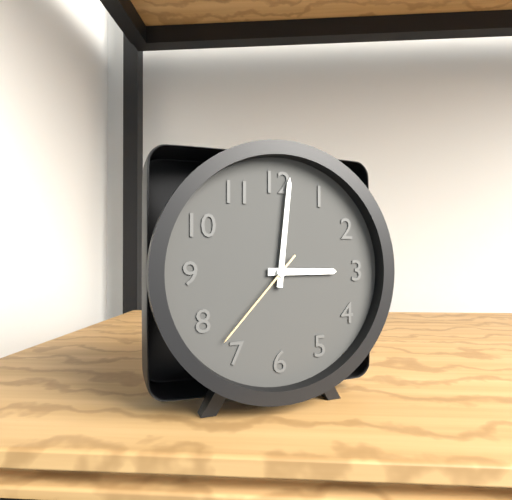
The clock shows h=3 m=1 s=37
